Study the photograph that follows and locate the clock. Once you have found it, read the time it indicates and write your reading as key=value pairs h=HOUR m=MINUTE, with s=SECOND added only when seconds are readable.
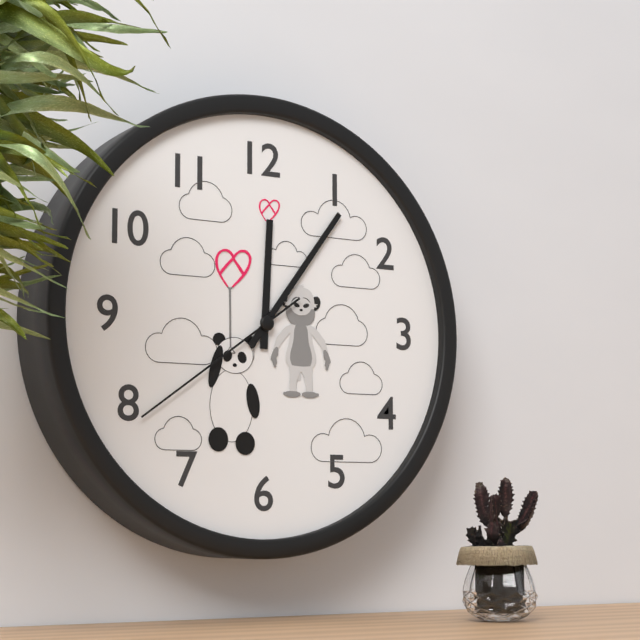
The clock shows h=12 m=6 s=39
